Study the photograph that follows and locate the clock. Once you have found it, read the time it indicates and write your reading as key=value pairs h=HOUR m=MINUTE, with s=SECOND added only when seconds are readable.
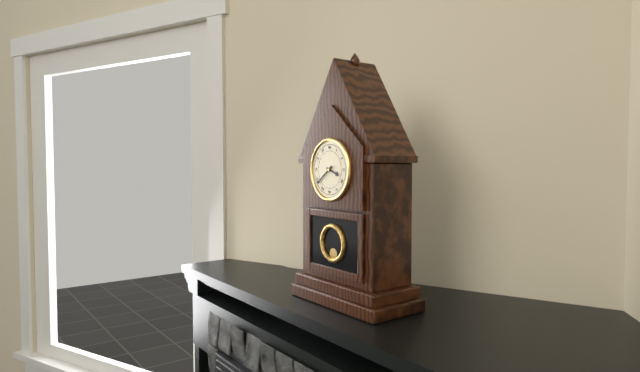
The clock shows h=3 m=39
